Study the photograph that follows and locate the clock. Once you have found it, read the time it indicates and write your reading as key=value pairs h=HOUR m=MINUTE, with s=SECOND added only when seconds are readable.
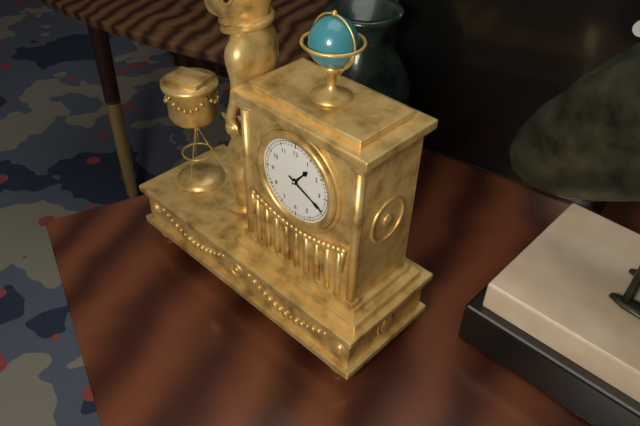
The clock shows h=1 m=19
